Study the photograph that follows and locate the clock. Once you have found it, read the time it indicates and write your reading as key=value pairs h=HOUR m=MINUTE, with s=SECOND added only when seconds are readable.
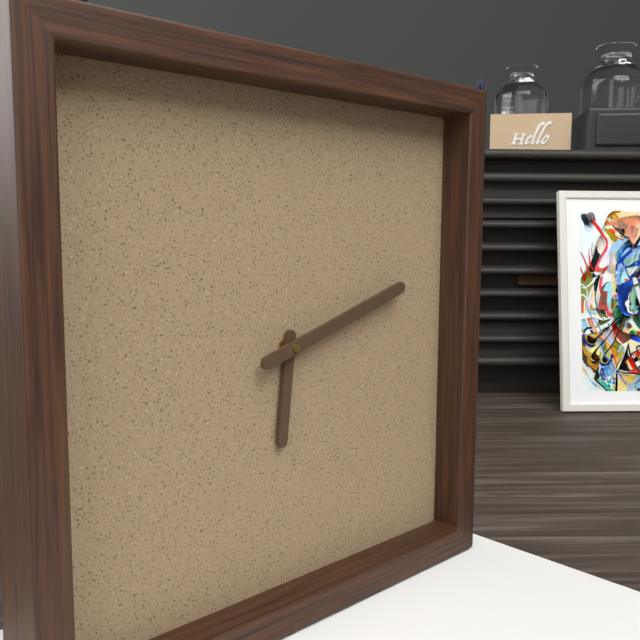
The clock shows h=6 m=12
